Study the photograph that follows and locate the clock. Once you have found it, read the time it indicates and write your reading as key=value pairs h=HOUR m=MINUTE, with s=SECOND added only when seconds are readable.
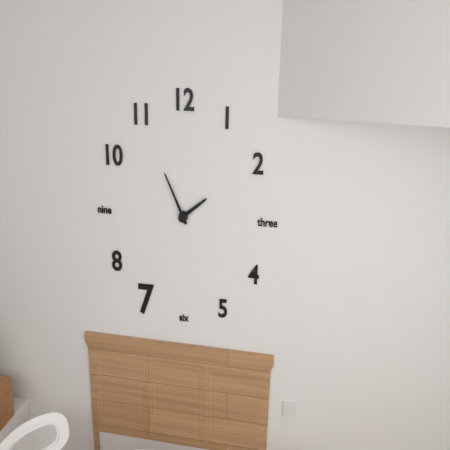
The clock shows h=1 m=55
